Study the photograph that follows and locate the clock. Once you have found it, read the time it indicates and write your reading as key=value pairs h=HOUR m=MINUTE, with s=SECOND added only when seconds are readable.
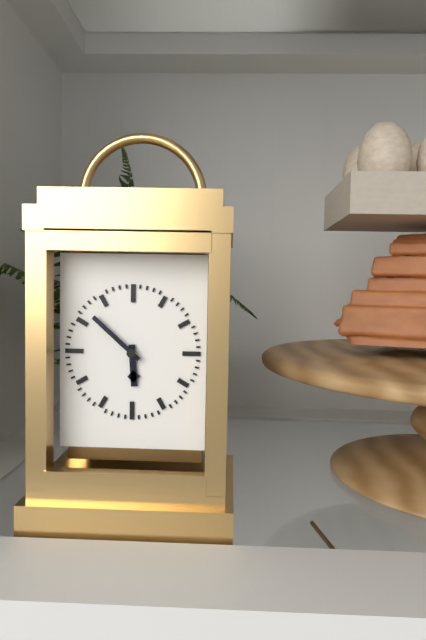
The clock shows h=5 m=52
